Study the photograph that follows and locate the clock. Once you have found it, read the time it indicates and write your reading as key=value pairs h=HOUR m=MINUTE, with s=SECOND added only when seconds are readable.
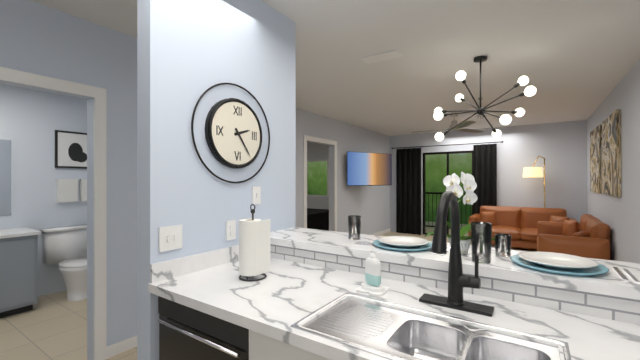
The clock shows h=2 m=24
